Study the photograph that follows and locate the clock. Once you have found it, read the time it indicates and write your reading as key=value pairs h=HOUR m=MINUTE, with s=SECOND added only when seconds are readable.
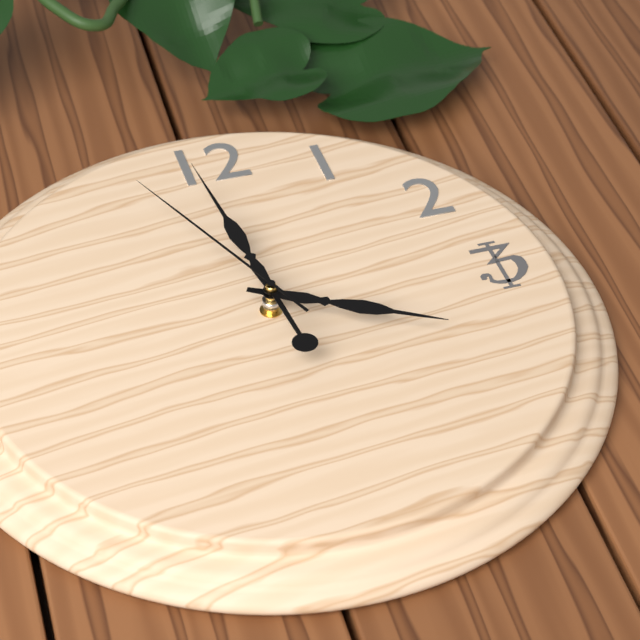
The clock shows h=3 m=59 s=56
